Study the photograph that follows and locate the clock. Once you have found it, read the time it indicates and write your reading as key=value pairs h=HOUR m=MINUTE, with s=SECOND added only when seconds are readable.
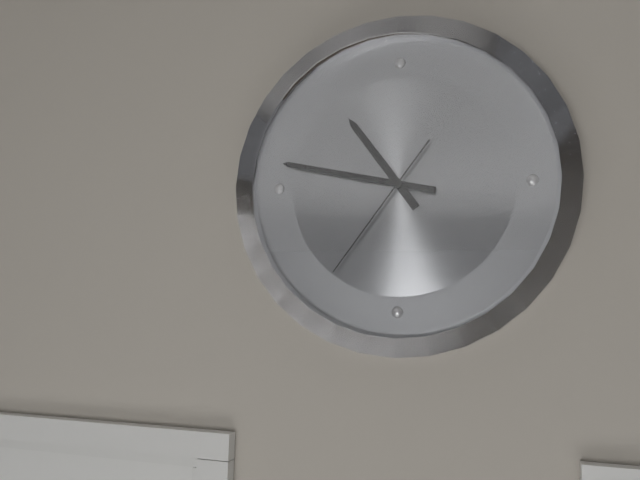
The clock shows h=10 m=47 s=36
